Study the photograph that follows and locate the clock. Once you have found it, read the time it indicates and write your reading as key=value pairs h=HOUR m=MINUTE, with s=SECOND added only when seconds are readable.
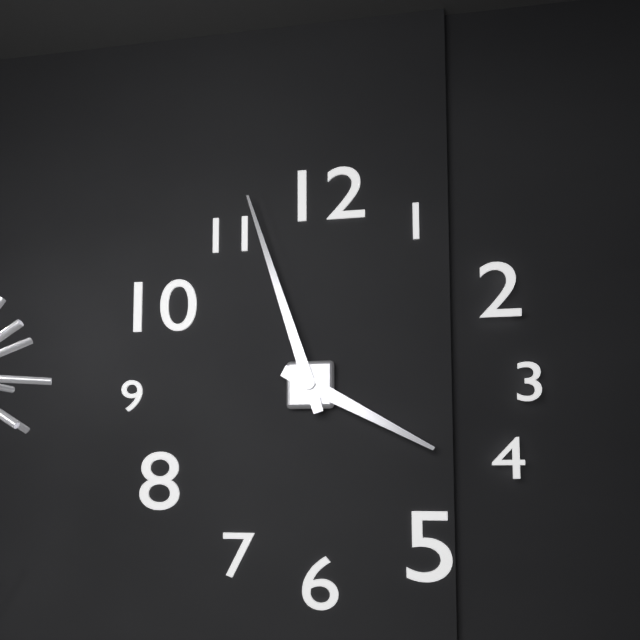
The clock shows h=3 m=57
